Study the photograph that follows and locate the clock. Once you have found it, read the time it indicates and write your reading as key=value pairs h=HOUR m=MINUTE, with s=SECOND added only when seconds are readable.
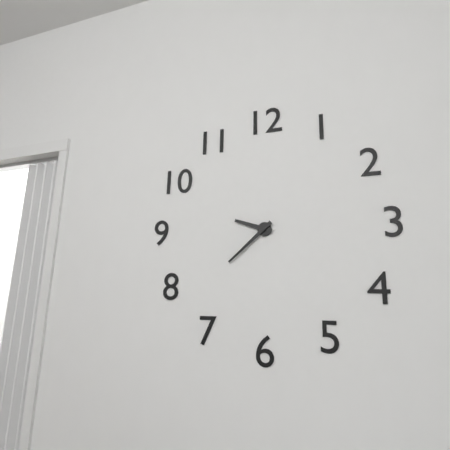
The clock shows h=9 m=38
